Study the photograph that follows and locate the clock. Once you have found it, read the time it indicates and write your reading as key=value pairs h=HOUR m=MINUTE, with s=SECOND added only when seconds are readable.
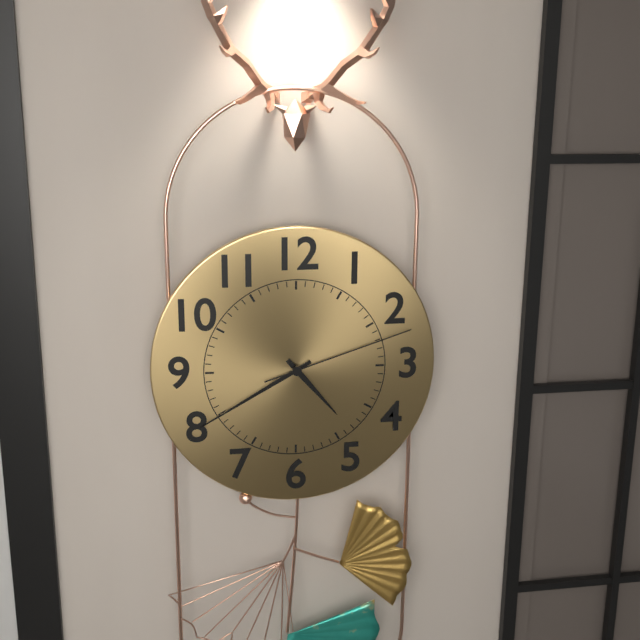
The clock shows h=4 m=40 s=12
